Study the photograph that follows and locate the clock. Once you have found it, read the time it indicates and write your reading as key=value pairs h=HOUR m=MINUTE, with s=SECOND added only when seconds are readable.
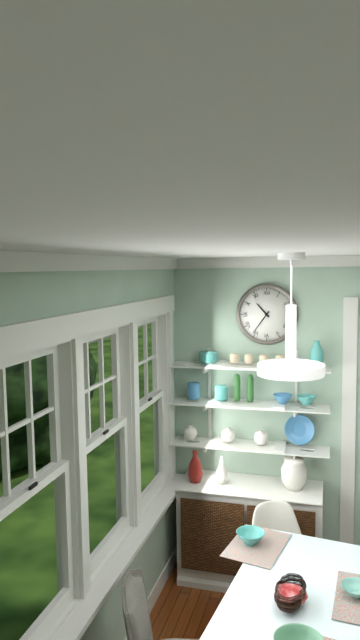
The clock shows h=10 m=36
